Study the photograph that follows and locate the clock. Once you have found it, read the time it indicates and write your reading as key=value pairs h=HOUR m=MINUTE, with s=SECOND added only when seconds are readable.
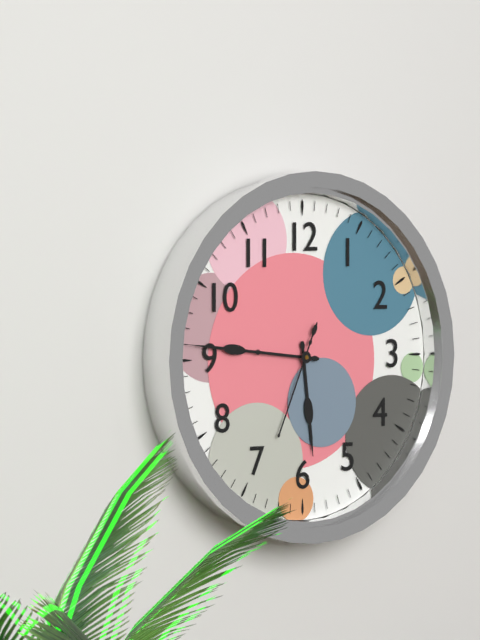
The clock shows h=5 m=46 s=34
